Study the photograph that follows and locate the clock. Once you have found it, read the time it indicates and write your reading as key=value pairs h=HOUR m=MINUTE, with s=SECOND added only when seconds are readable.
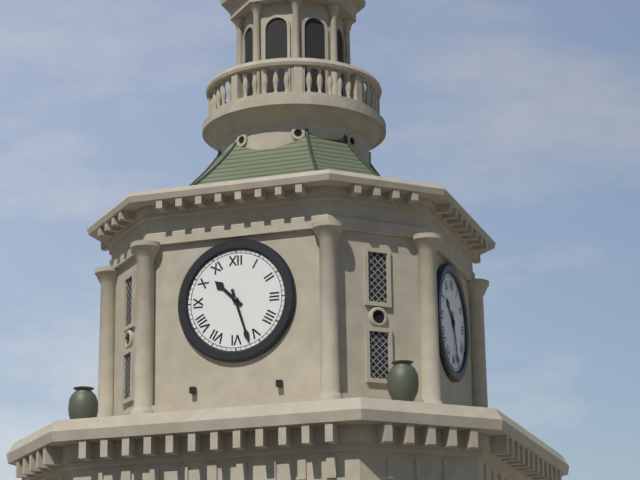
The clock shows h=10 m=27
